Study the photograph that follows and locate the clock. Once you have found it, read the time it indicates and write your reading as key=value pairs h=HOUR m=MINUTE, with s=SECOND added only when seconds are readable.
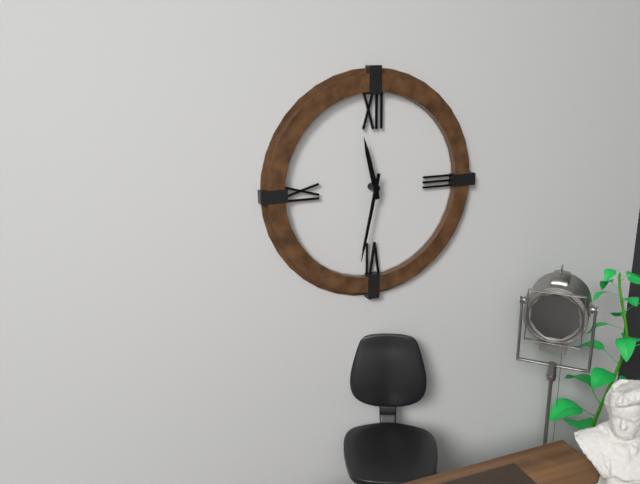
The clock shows h=11 m=32
